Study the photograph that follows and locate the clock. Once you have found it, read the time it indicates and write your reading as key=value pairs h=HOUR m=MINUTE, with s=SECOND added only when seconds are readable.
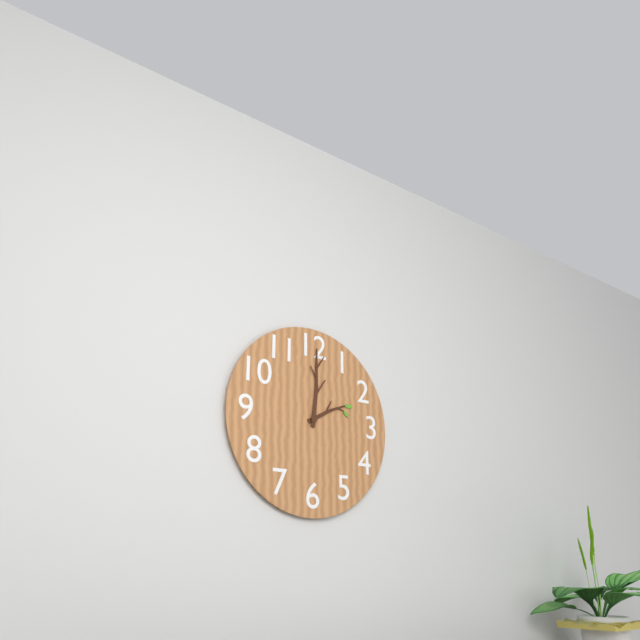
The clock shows h=2 m=1
